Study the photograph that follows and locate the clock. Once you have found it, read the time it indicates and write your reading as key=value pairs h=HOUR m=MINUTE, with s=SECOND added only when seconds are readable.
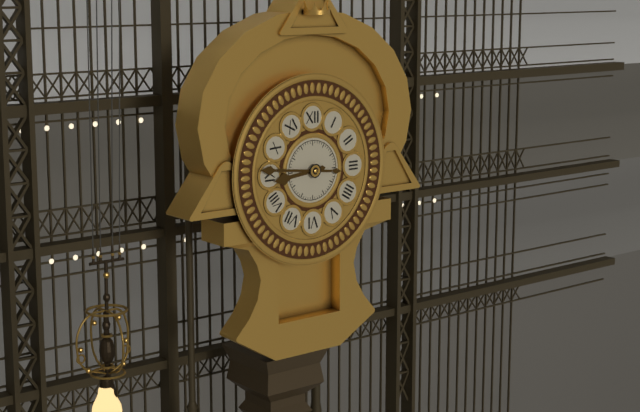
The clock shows h=8 m=46
